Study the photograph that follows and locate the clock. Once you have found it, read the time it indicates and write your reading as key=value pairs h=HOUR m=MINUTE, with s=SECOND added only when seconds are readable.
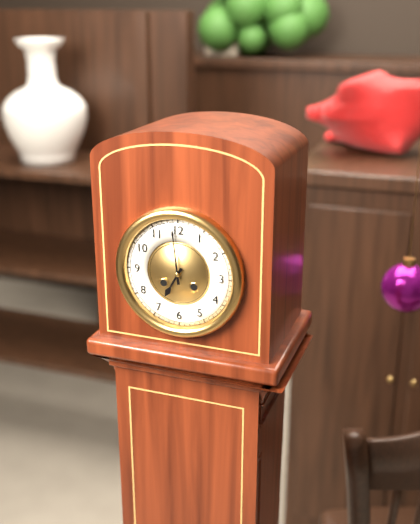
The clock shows h=6 m=59
